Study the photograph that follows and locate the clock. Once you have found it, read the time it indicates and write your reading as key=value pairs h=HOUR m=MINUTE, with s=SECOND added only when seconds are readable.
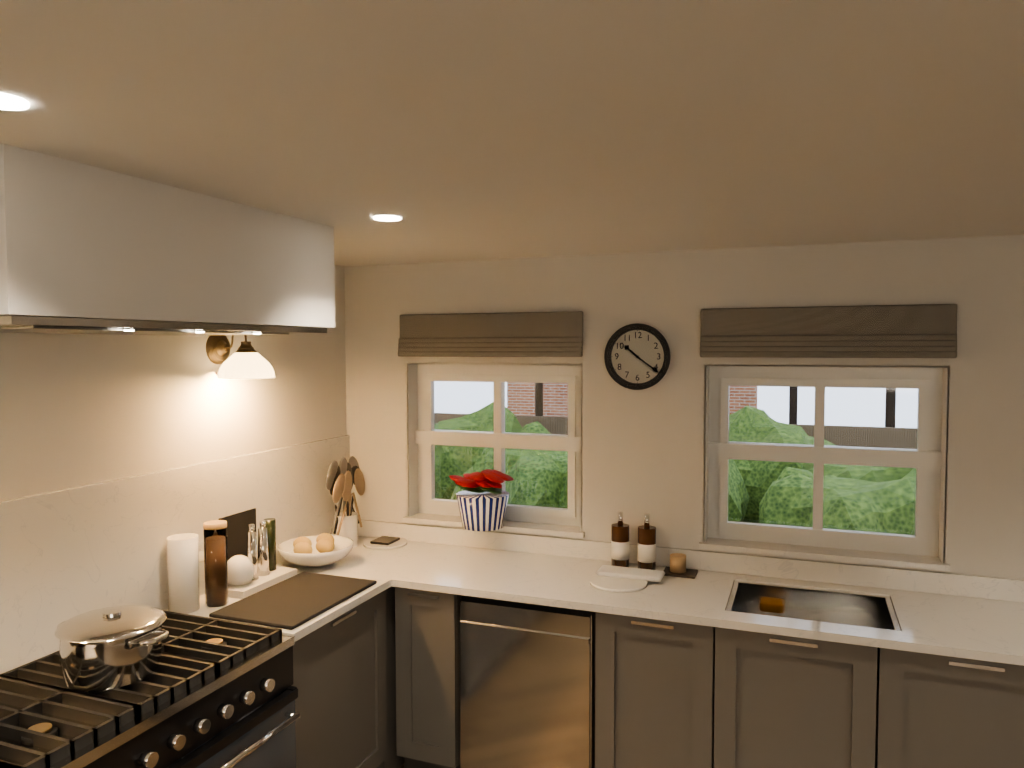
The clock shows h=10 m=21
